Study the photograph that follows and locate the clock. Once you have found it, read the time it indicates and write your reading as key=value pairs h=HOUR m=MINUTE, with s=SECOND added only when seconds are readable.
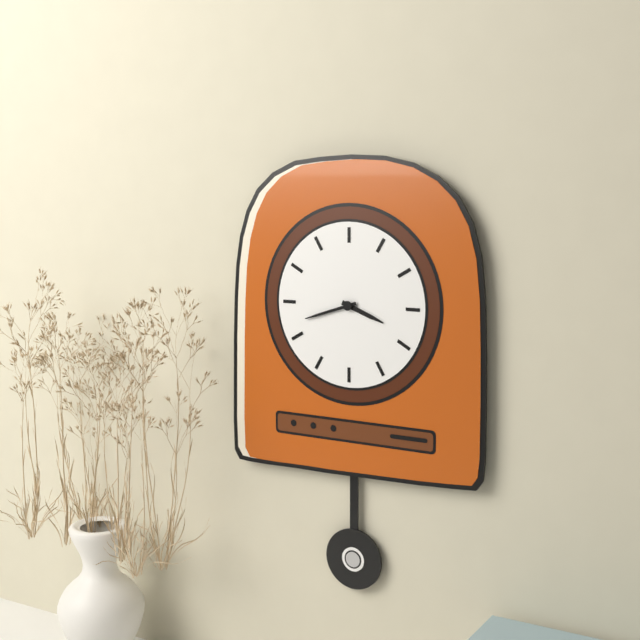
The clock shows h=3 m=42
